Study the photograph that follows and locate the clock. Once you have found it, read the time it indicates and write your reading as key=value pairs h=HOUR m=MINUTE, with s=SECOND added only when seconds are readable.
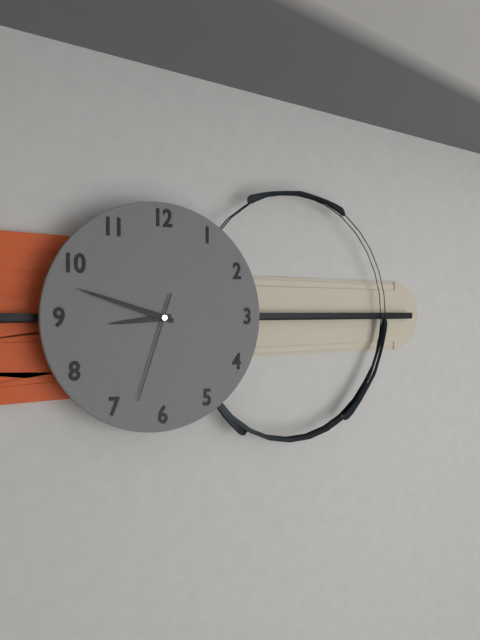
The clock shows h=8 m=48 s=33
